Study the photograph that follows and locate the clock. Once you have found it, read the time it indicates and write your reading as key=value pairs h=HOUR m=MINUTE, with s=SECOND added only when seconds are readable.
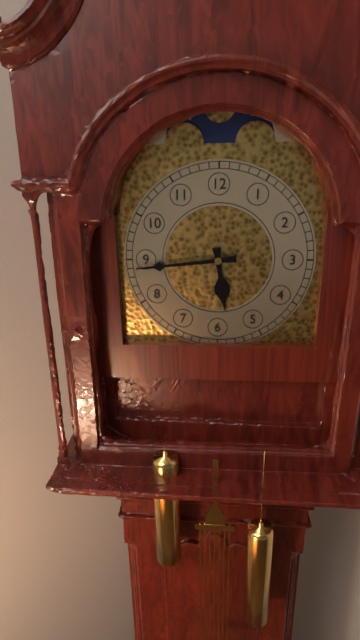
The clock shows h=5 m=44
